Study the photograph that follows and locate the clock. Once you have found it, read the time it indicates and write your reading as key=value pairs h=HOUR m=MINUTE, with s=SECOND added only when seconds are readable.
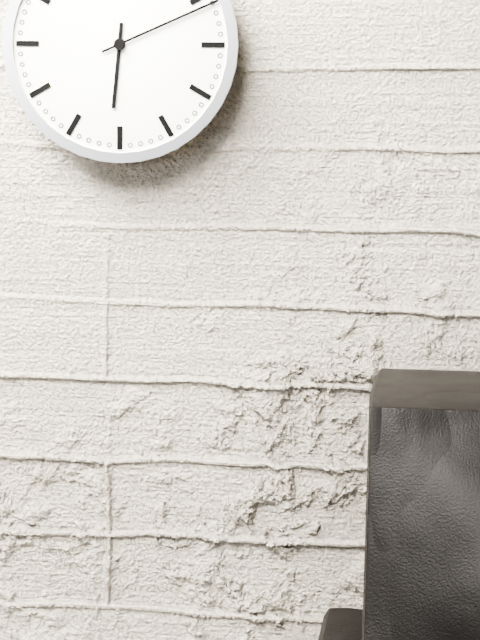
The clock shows h=6 m=11
